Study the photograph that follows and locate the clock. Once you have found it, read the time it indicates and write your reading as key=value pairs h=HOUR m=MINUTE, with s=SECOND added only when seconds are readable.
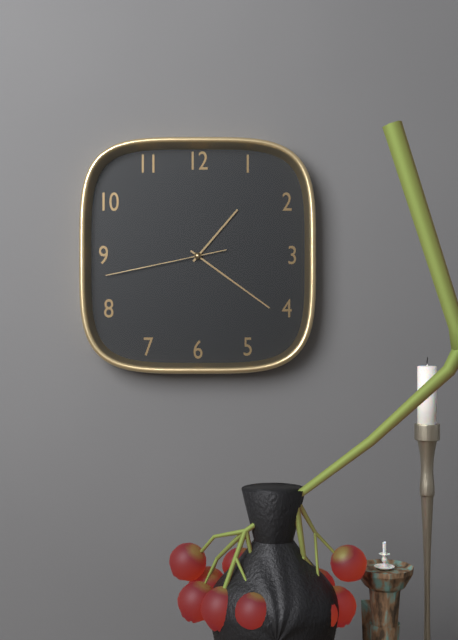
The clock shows h=1 m=21 s=43
